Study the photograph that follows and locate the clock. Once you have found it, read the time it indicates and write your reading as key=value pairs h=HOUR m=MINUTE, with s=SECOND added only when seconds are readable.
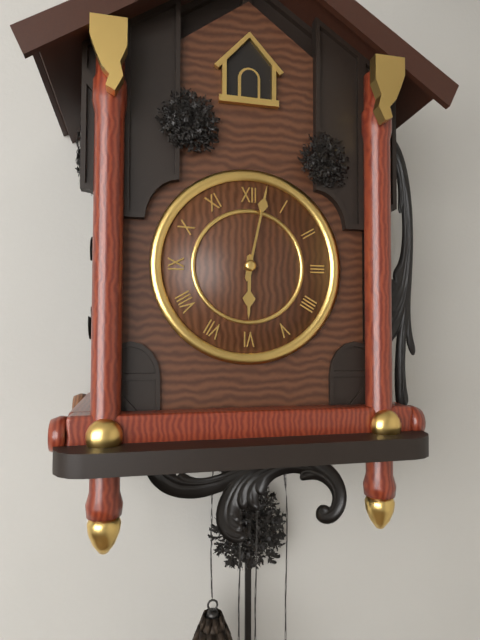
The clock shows h=6 m=2
